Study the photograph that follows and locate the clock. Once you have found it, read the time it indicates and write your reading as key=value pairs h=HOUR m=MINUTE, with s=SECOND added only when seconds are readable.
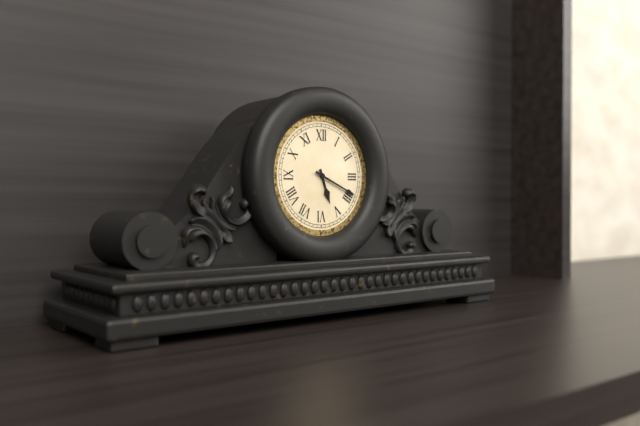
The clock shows h=5 m=19
